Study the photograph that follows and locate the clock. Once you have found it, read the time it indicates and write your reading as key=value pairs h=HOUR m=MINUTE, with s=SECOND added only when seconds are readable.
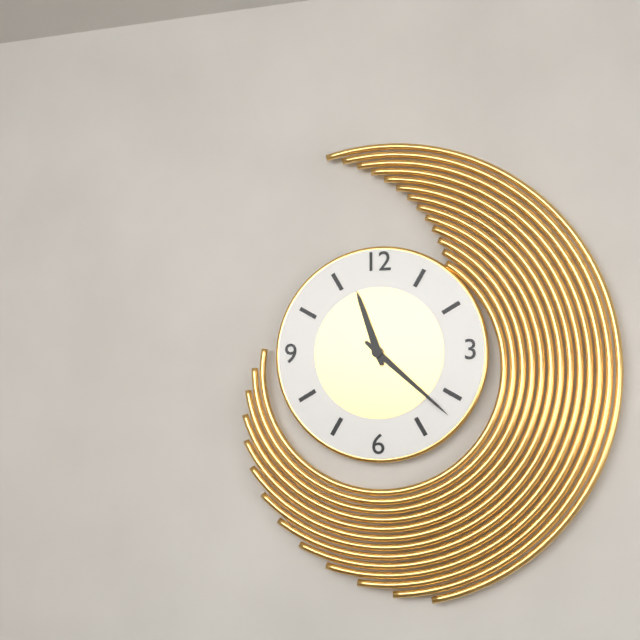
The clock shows h=11 m=22
